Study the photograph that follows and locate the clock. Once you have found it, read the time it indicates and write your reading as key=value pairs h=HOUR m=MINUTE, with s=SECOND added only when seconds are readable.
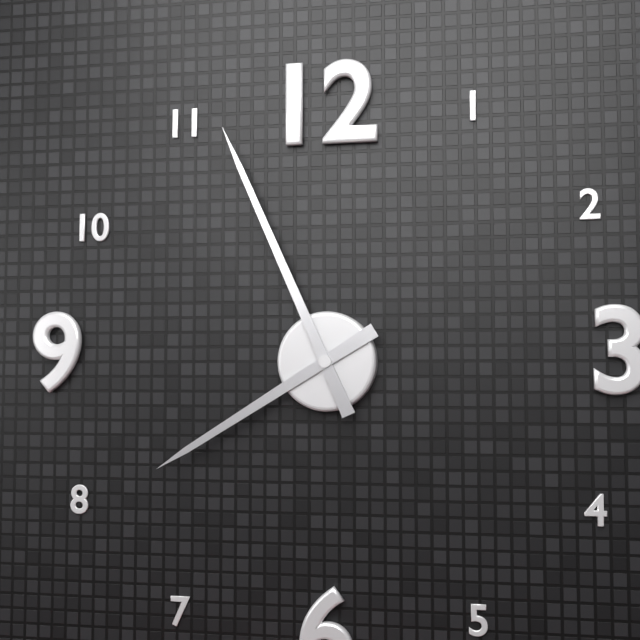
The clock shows h=7 m=56
